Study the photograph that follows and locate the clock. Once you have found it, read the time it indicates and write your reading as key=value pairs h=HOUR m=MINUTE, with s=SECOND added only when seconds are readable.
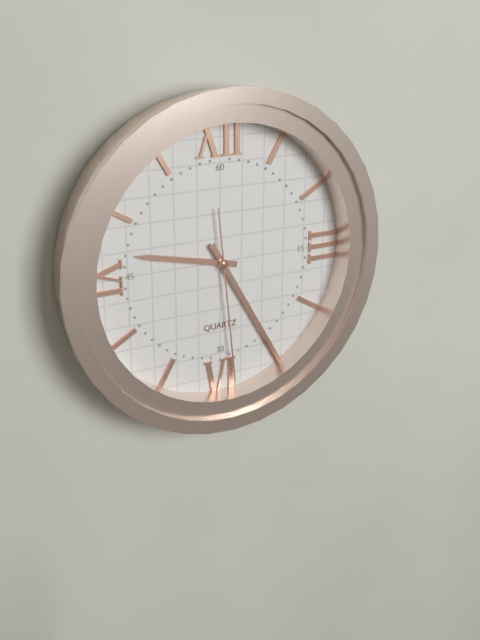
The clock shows h=9 m=25 s=29
